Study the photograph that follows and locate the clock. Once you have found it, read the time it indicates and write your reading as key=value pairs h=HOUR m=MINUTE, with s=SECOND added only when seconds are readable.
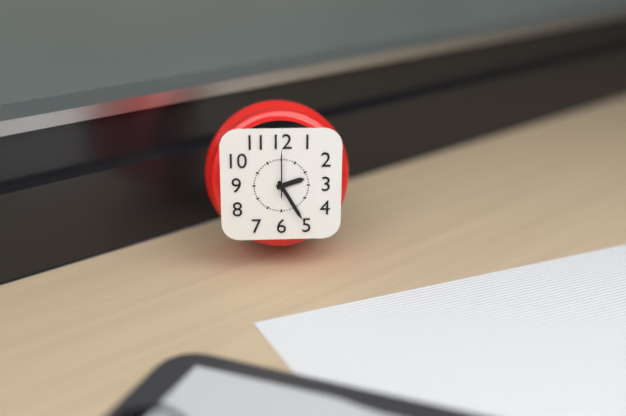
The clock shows h=2 m=25
